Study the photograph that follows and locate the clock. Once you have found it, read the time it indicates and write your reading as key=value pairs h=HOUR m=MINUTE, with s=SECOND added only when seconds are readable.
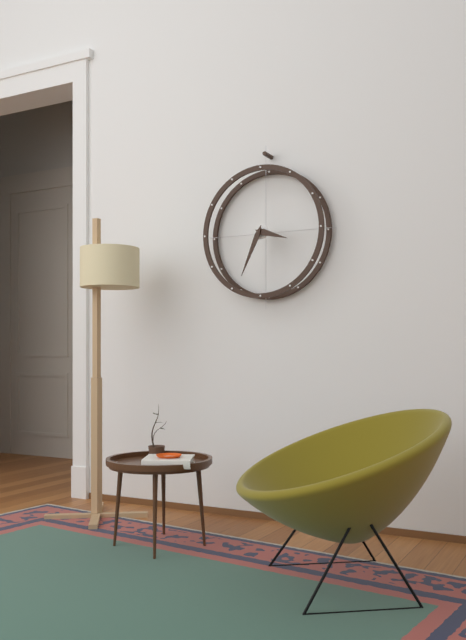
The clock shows h=3 m=34
